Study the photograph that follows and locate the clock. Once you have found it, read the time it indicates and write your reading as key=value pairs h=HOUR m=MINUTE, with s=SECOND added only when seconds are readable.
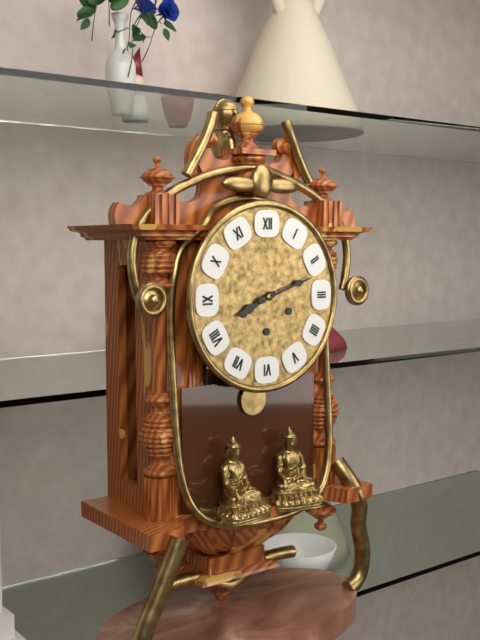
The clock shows h=8 m=12
